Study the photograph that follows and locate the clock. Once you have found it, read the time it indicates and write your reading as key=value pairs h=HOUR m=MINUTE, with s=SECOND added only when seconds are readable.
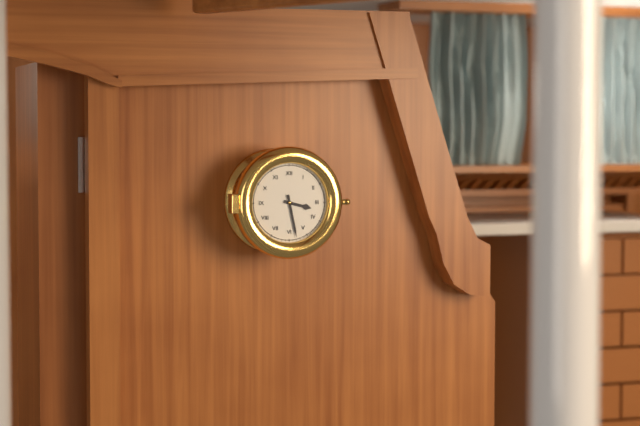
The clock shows h=3 m=28
